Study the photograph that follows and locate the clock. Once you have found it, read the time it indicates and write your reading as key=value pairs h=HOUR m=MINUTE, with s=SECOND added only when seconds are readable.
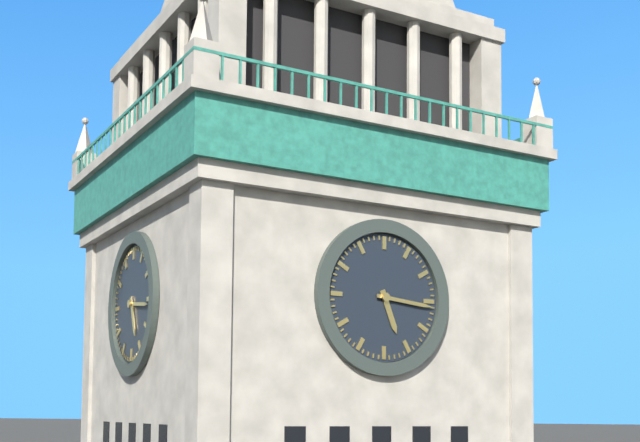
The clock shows h=5 m=16
